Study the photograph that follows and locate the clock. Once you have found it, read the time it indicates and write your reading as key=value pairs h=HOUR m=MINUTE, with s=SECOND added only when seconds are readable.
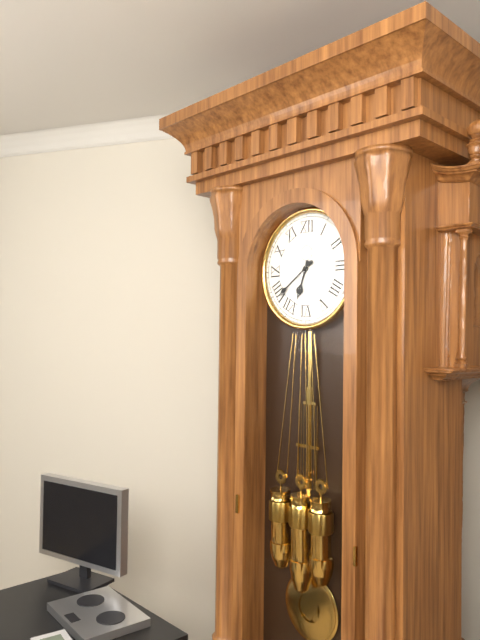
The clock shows h=6 m=39
